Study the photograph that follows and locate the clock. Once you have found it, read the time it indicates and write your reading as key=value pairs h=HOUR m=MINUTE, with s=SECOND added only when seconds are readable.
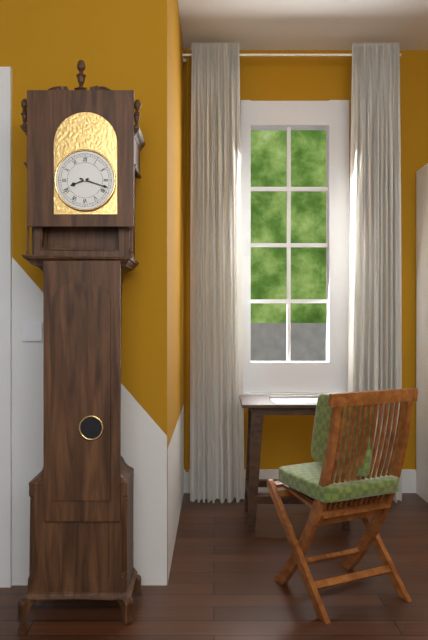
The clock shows h=8 m=18
